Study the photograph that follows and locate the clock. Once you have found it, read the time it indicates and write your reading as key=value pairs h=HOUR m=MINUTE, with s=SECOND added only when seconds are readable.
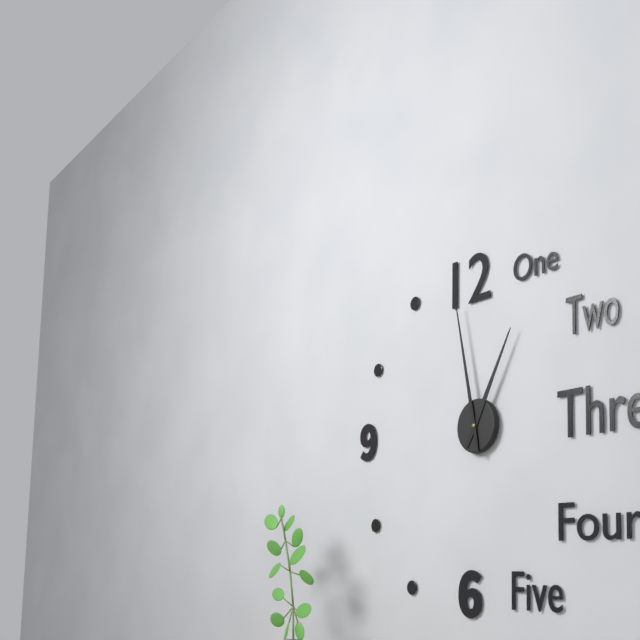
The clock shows h=12 m=58
